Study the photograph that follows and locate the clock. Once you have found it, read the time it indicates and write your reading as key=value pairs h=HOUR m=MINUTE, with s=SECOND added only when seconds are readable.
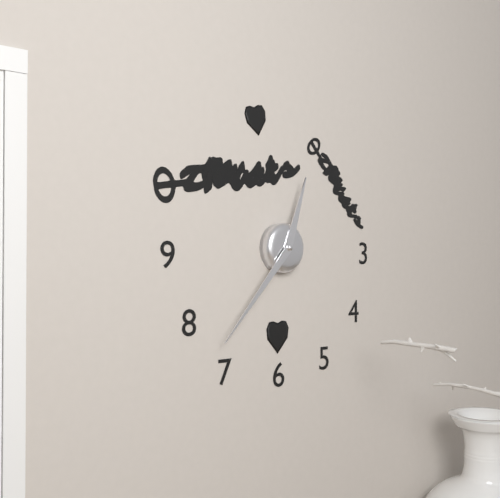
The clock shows h=12 m=37
